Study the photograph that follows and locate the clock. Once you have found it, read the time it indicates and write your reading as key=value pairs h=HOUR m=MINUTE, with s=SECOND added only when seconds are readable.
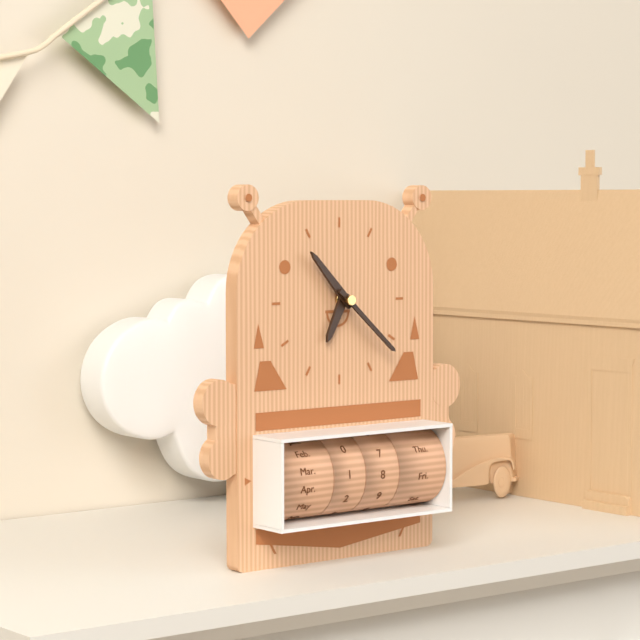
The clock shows h=6 m=53 s=22
